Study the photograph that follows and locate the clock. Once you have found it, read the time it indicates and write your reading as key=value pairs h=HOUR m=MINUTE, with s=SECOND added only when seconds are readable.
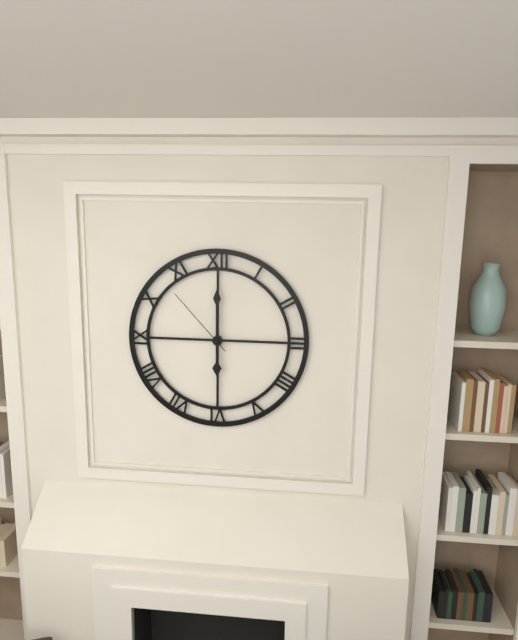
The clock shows h=6 m=0 s=53
